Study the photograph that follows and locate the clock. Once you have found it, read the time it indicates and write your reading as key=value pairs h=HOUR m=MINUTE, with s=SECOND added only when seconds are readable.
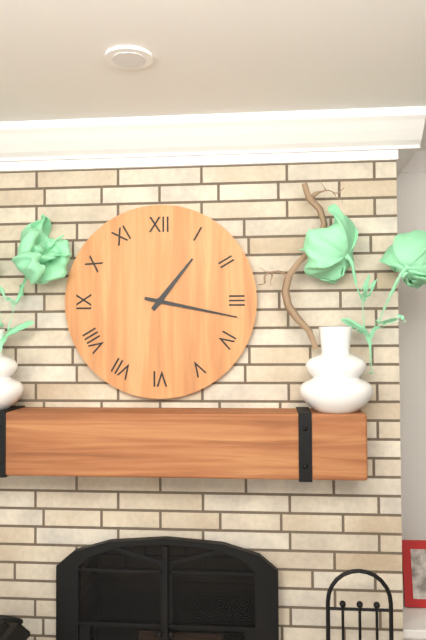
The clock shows h=1 m=17
